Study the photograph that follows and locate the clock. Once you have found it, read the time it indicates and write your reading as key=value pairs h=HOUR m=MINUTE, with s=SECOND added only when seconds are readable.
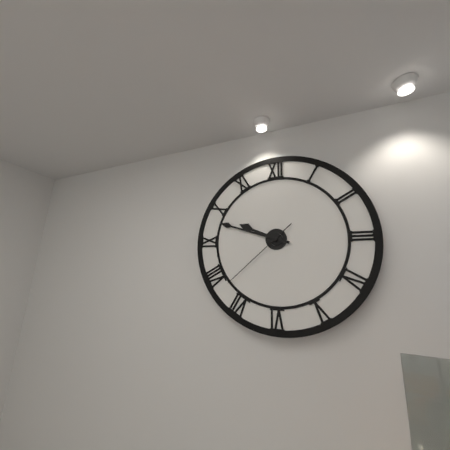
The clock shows h=9 m=48 s=38
